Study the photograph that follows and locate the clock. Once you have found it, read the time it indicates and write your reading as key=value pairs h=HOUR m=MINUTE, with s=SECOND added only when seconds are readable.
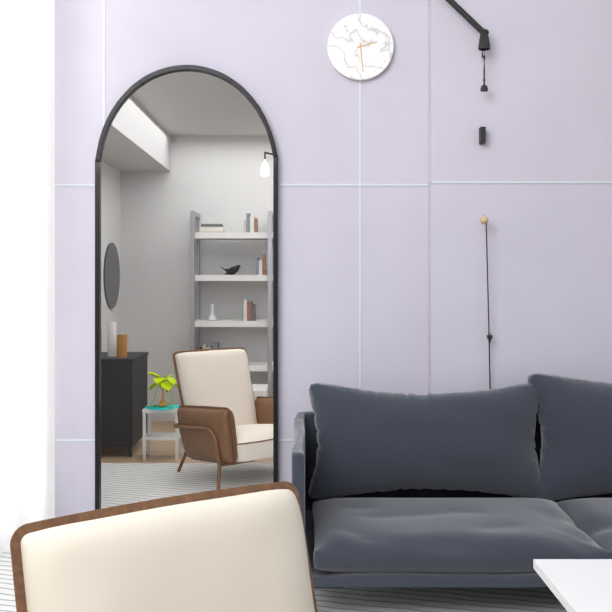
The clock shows h=2 m=29
